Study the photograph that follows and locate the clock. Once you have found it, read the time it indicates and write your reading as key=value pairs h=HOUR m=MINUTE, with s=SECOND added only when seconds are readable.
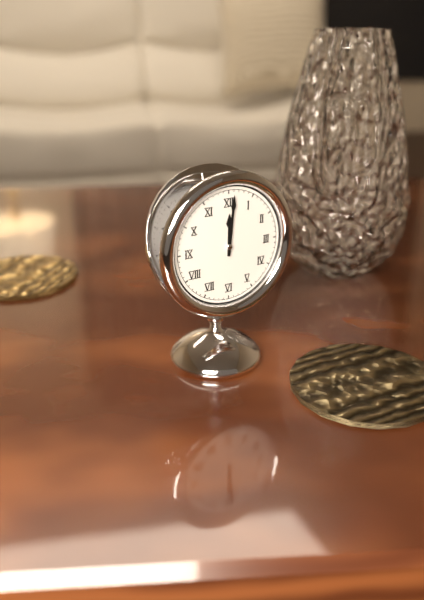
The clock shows h=12 m=1
